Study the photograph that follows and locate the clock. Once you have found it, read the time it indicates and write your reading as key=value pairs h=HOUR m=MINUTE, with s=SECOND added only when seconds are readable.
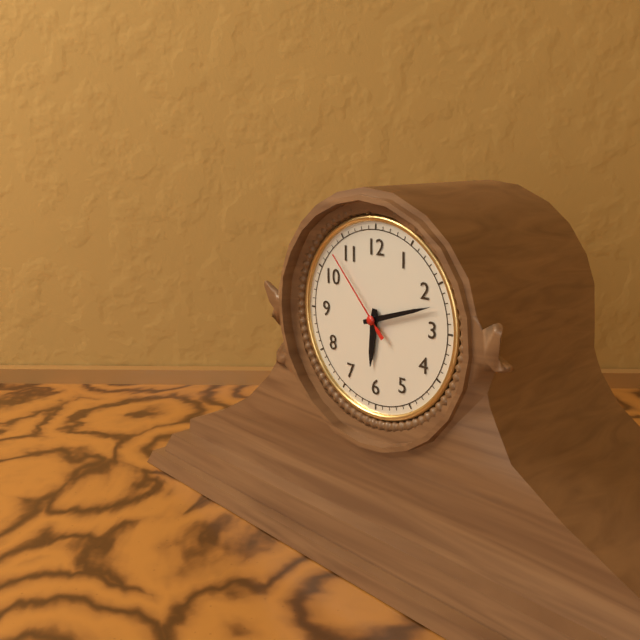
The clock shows h=6 m=12 s=53
